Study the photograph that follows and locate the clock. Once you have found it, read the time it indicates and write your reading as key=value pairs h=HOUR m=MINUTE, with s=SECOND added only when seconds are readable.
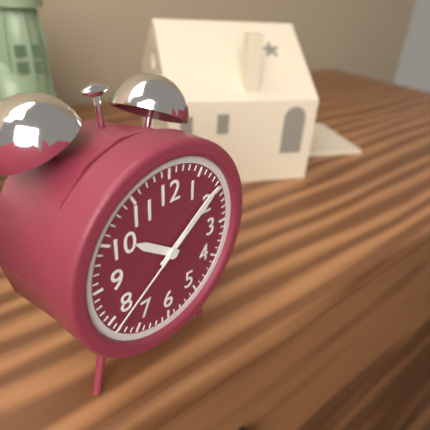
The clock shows h=10 m=9 s=39
